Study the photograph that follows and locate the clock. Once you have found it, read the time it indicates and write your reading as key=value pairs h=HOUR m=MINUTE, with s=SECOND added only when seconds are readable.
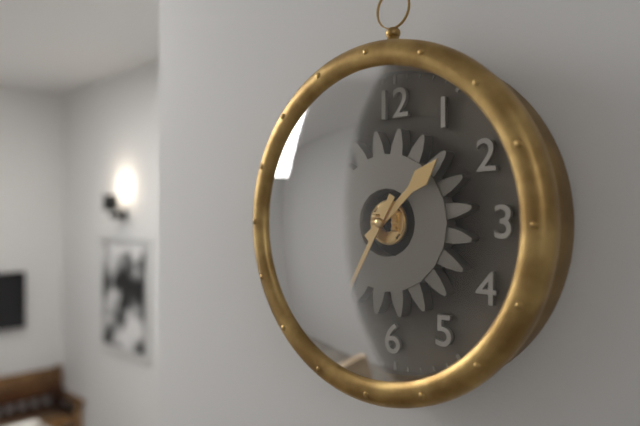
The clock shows h=1 m=35
